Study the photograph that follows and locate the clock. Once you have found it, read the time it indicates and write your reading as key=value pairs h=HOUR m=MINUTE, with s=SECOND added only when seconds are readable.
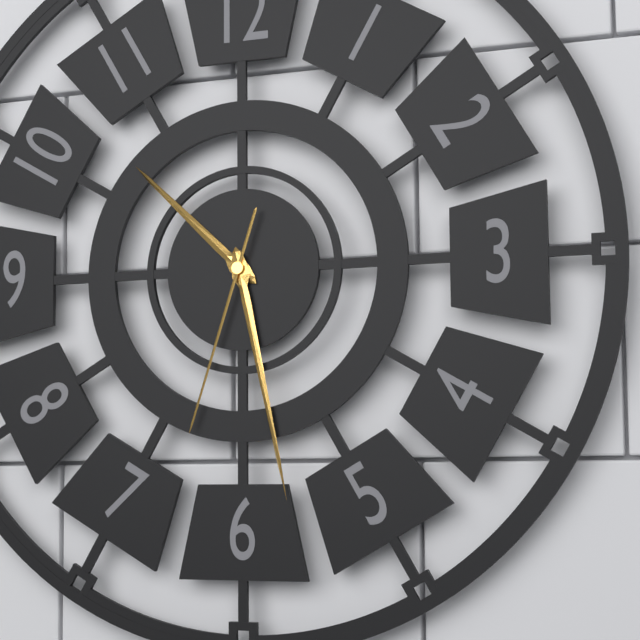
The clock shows h=10 m=28 s=33
